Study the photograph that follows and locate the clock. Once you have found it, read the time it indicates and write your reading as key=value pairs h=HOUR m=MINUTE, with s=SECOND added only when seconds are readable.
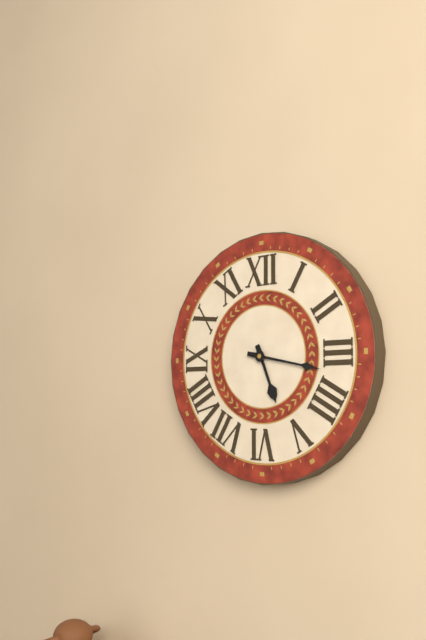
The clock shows h=5 m=17
